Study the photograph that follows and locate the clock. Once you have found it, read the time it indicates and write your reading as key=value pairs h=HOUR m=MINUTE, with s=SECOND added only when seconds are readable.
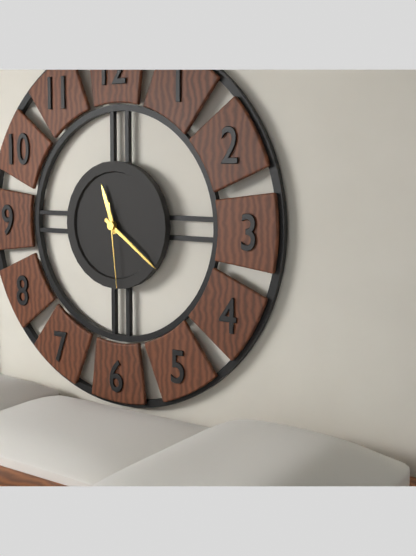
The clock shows h=11 m=21 s=29
